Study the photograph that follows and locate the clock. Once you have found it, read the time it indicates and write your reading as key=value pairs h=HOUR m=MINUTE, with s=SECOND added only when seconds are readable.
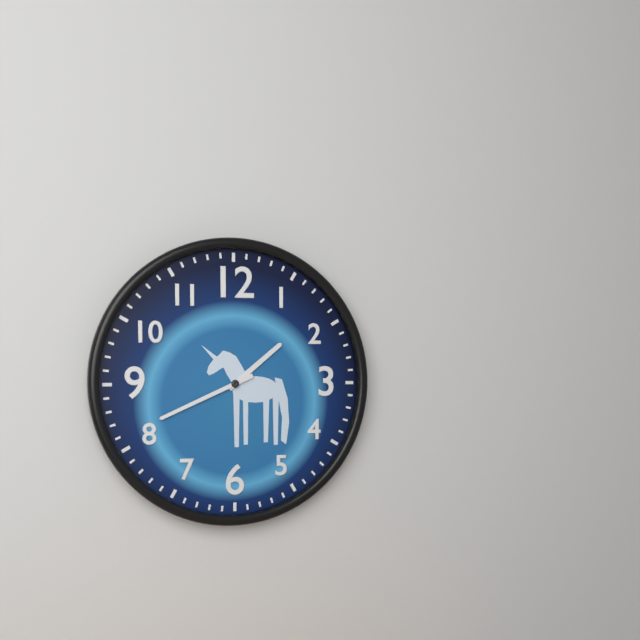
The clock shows h=1 m=41
